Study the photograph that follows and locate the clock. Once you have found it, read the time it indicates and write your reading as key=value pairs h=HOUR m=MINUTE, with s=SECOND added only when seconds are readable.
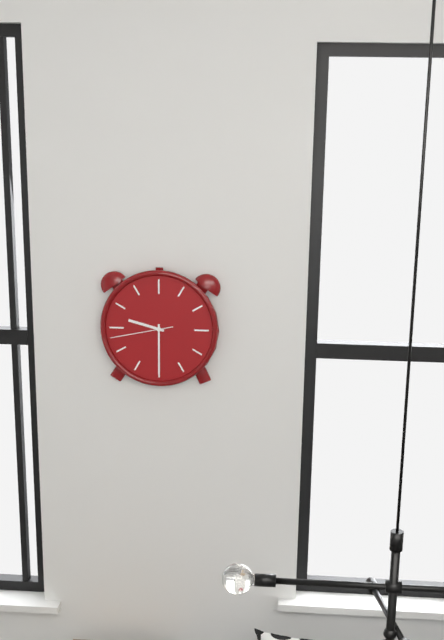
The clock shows h=9 m=30 s=43
